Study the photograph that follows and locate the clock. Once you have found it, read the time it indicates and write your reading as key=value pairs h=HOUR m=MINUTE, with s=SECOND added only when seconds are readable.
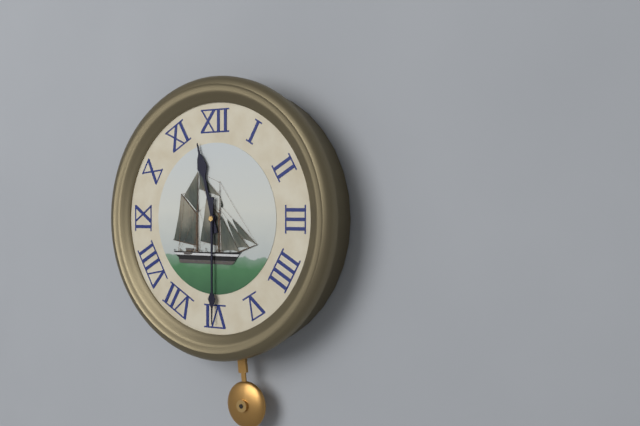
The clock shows h=11 m=30
